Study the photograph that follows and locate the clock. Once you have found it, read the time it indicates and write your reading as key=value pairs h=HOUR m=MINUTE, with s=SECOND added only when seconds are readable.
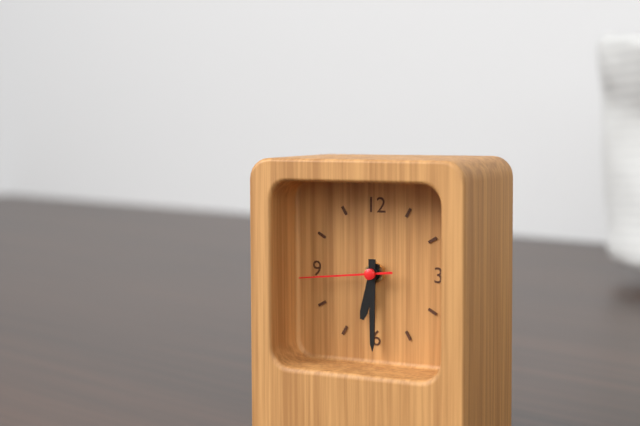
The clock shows h=6 m=30 s=44
